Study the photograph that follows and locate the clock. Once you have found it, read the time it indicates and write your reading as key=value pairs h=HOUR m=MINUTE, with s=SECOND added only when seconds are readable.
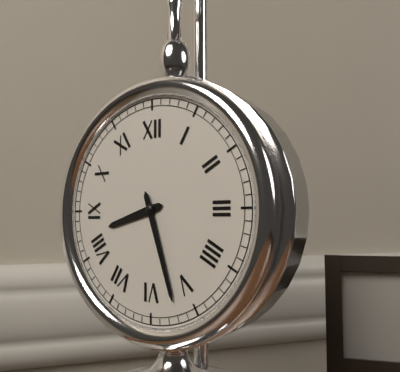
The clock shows h=8 m=27
